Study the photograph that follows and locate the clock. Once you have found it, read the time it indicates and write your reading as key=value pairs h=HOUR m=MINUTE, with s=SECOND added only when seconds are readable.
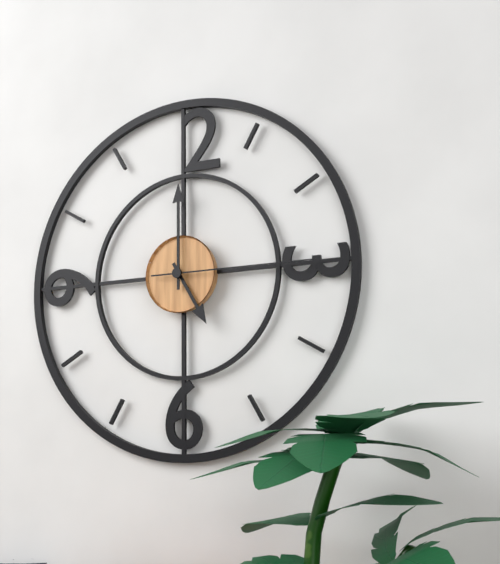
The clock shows h=5 m=0 s=15
